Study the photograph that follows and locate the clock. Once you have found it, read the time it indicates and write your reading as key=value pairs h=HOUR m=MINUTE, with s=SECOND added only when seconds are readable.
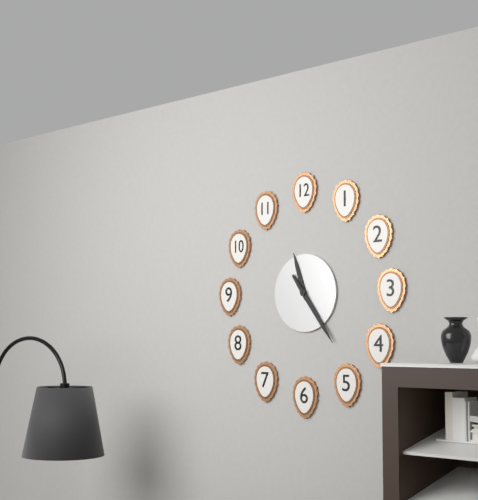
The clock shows h=11 m=24
